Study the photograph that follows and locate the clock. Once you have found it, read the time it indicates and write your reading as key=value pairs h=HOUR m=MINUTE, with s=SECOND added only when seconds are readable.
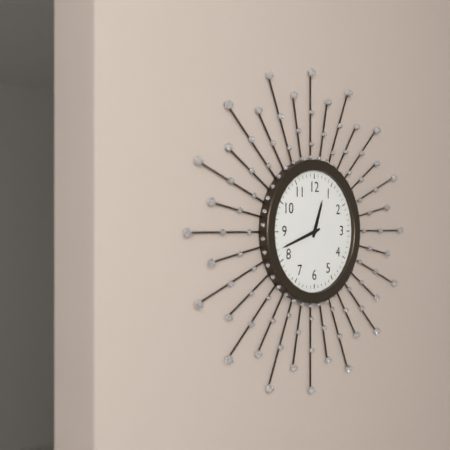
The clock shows h=12 m=42
